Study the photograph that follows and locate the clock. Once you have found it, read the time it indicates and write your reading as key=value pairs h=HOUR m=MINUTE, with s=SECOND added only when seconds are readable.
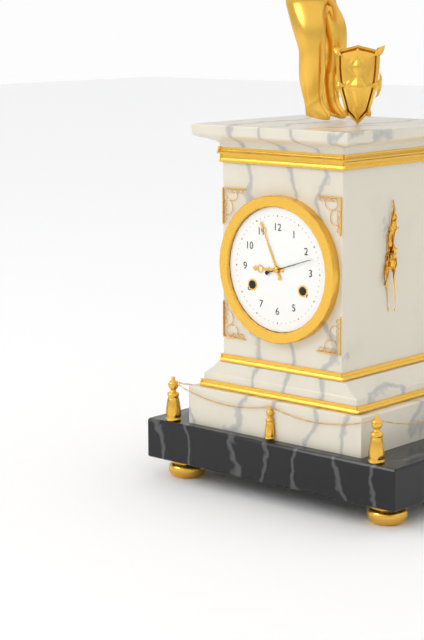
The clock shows h=8 m=56
